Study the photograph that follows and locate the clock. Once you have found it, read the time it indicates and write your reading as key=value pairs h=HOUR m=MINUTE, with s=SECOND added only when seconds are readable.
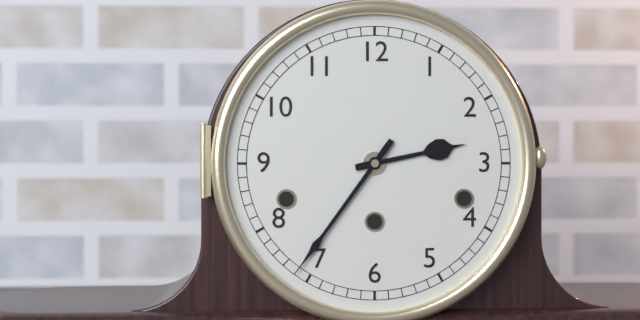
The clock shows h=2 m=36
